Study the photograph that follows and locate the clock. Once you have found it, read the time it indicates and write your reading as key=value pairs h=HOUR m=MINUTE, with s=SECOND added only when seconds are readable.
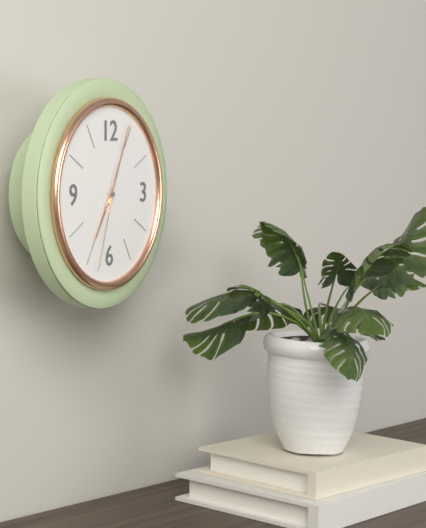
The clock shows h=7 m=4 s=33
